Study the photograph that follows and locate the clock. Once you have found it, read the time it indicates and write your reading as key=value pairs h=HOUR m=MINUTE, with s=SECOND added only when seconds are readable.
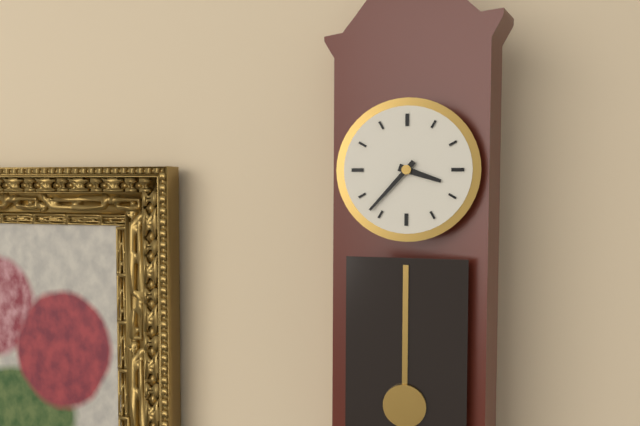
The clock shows h=3 m=37
